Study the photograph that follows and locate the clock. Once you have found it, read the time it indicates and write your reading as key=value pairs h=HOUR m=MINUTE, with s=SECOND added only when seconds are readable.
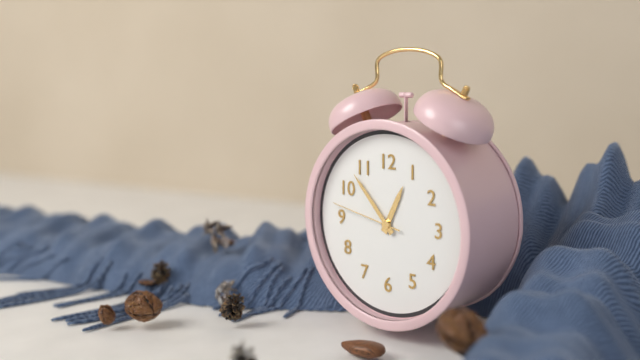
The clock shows h=12 m=53 s=47
